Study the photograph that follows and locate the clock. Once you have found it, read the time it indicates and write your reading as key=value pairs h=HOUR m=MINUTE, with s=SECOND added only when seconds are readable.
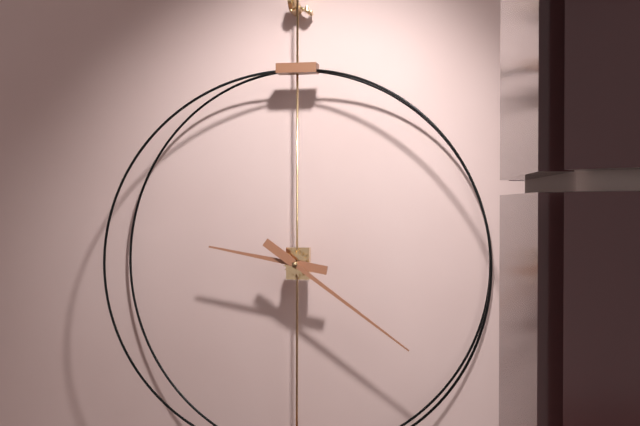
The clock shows h=9 m=21
